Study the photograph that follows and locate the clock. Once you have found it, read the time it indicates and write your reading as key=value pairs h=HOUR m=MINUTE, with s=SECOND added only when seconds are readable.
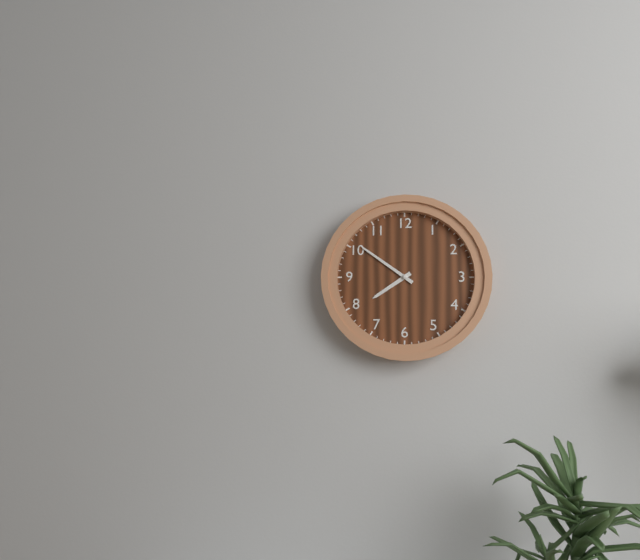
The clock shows h=7 m=51
